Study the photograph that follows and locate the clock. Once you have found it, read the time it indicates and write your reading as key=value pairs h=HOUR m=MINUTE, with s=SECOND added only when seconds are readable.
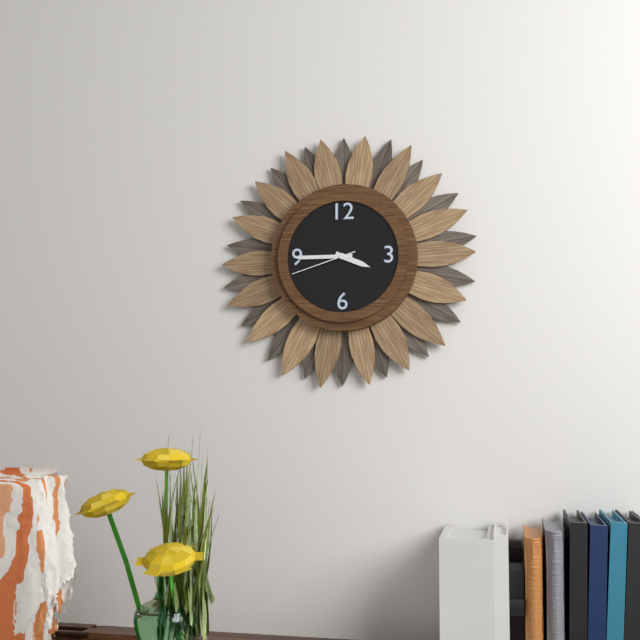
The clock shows h=3 m=45 s=42
